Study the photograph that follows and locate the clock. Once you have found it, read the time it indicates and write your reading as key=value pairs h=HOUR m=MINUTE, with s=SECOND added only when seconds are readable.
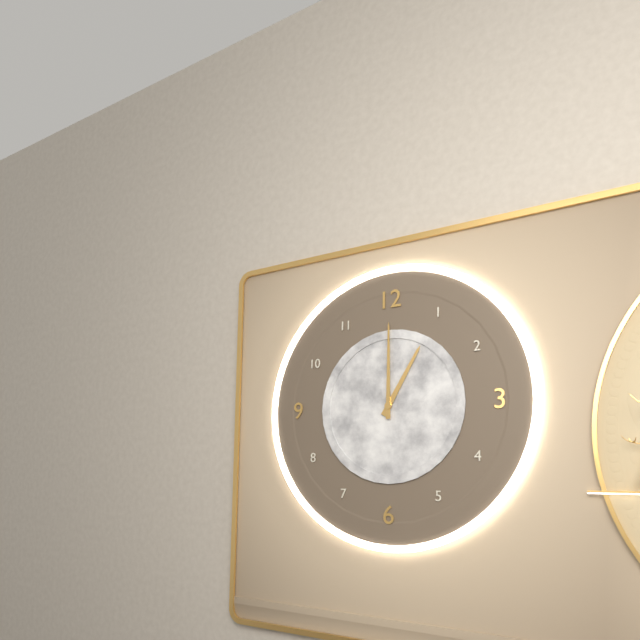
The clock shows h=1 m=0
